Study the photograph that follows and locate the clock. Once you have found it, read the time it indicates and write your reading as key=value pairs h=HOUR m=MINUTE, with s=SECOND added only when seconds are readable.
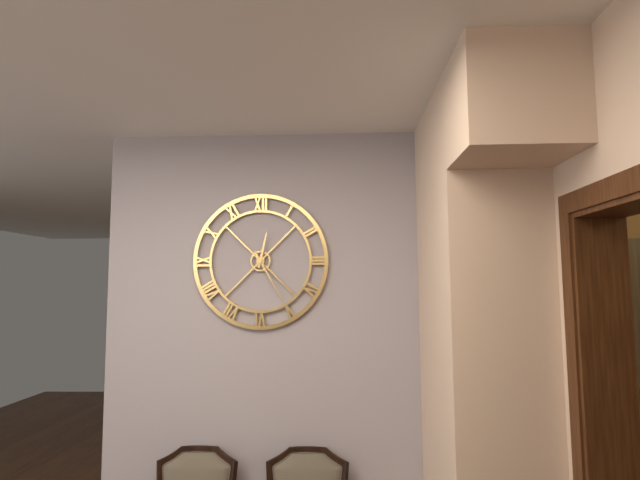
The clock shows h=12 m=25
